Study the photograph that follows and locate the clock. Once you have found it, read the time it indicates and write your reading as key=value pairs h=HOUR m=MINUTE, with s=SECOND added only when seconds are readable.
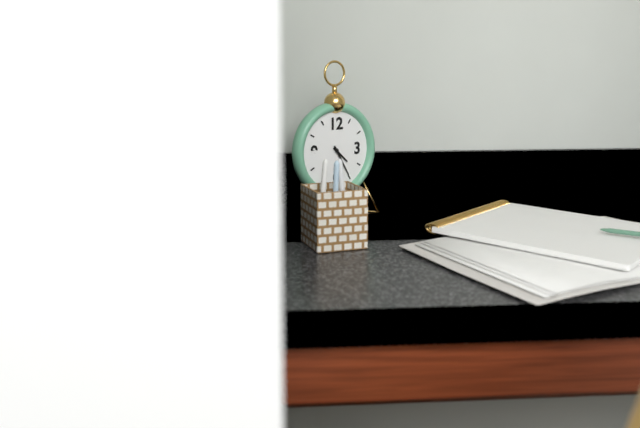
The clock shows h=4 m=25
